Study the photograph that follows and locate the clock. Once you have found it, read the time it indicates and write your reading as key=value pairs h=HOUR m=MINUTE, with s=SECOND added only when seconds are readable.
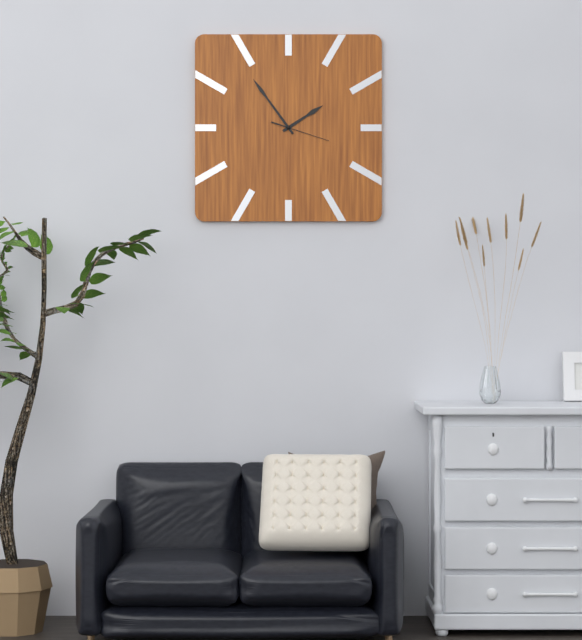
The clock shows h=1 m=54 s=18
